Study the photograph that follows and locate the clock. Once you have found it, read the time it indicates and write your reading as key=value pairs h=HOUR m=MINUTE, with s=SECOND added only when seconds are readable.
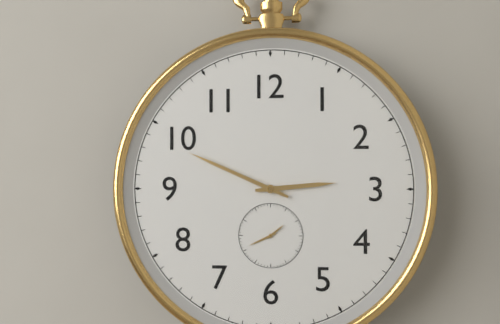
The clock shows h=2 m=49
